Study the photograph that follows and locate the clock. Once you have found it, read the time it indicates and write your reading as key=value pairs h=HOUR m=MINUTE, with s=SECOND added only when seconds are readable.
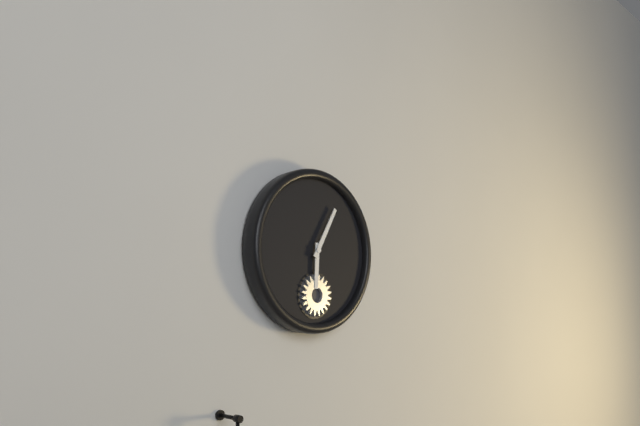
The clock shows h=6 m=5
